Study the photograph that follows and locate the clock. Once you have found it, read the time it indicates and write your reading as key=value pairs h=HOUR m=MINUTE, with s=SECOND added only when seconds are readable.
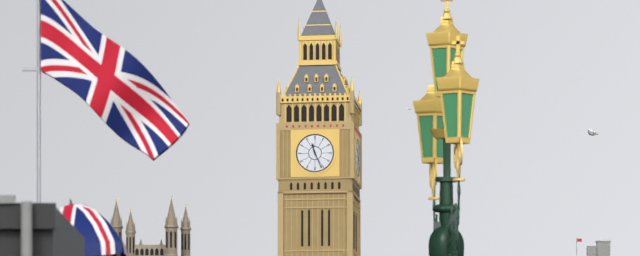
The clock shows h=11 m=26
